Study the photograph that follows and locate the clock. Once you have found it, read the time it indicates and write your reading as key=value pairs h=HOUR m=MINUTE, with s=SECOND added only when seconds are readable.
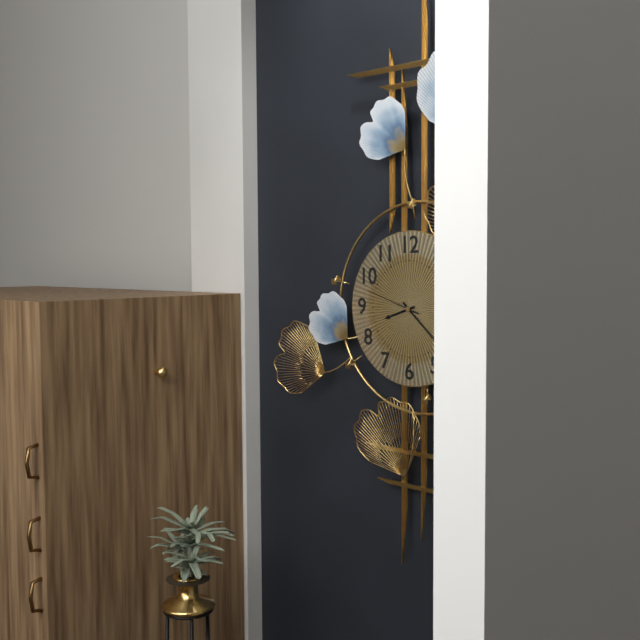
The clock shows h=8 m=22 s=48
